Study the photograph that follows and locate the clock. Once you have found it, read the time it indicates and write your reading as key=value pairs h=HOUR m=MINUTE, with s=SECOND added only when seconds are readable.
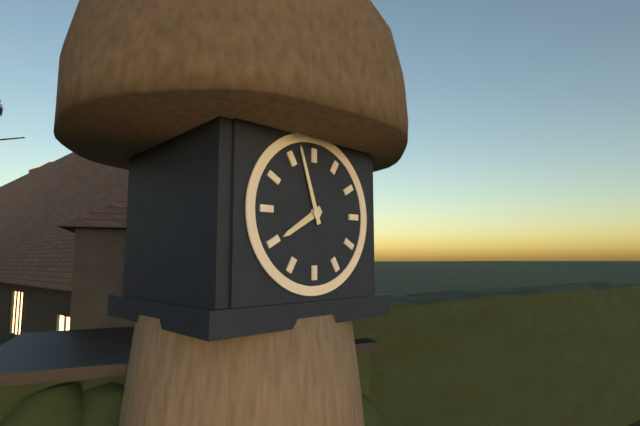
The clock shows h=7 m=57
